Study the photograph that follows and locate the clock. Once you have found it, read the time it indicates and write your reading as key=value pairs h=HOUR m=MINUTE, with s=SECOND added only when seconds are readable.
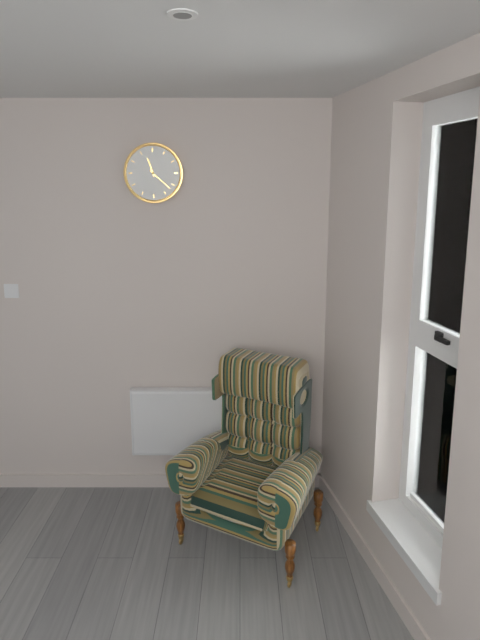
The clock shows h=11 m=22
